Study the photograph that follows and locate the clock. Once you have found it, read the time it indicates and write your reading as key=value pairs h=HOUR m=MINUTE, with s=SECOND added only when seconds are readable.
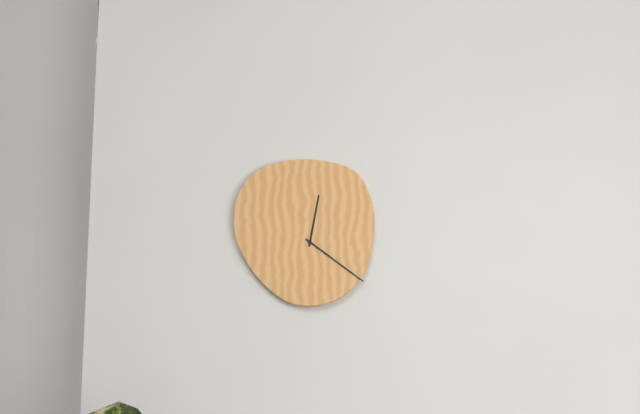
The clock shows h=12 m=21
